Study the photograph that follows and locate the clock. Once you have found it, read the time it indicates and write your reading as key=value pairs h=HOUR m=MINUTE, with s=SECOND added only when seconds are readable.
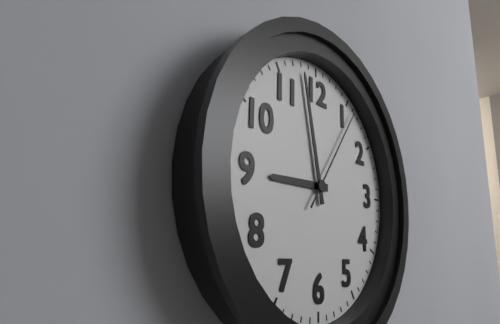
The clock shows h=8 m=58 s=6
